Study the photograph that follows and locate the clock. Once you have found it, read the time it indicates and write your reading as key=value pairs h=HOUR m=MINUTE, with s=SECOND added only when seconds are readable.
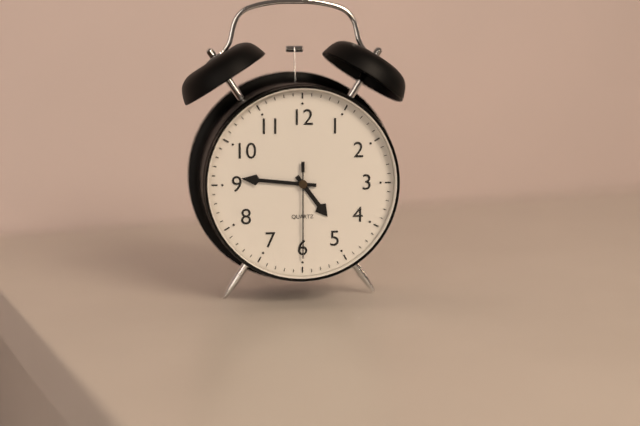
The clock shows h=4 m=46 s=30
